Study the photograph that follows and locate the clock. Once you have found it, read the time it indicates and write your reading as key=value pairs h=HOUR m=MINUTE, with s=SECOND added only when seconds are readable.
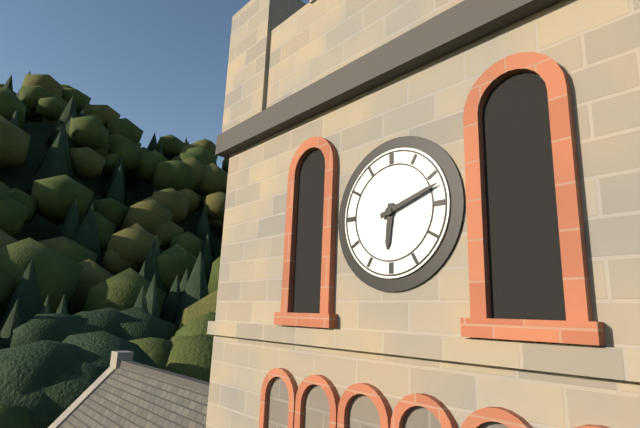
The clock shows h=6 m=12
